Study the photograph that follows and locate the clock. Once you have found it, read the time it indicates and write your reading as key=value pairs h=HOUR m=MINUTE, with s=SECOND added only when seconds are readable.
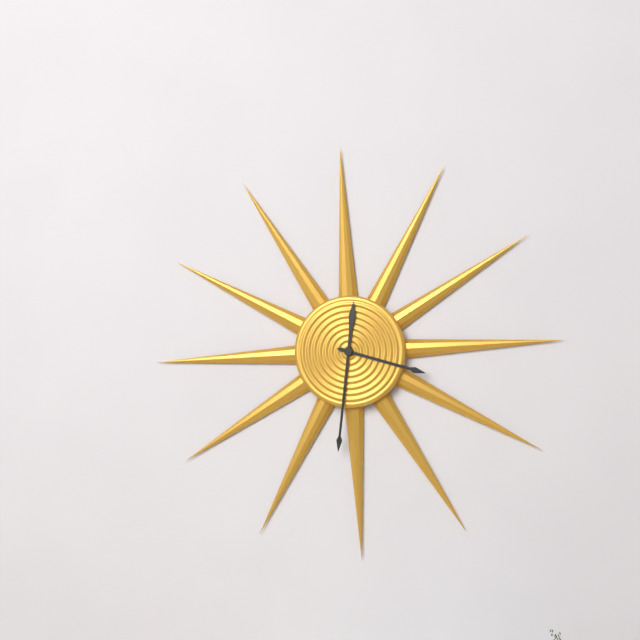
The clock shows h=3 m=31
